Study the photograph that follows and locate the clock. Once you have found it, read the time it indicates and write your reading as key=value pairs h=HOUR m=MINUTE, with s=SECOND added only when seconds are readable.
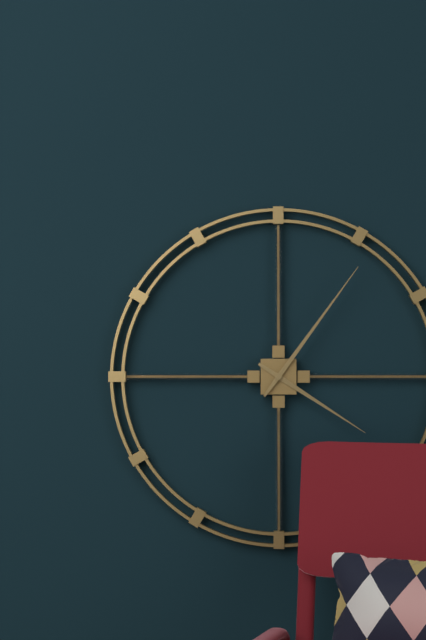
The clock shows h=4 m=6
